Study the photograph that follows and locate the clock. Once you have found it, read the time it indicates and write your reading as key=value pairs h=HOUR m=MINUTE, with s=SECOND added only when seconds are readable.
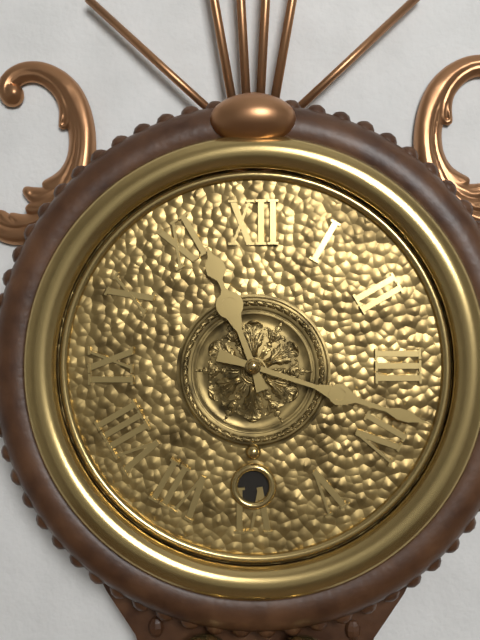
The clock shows h=11 m=18
